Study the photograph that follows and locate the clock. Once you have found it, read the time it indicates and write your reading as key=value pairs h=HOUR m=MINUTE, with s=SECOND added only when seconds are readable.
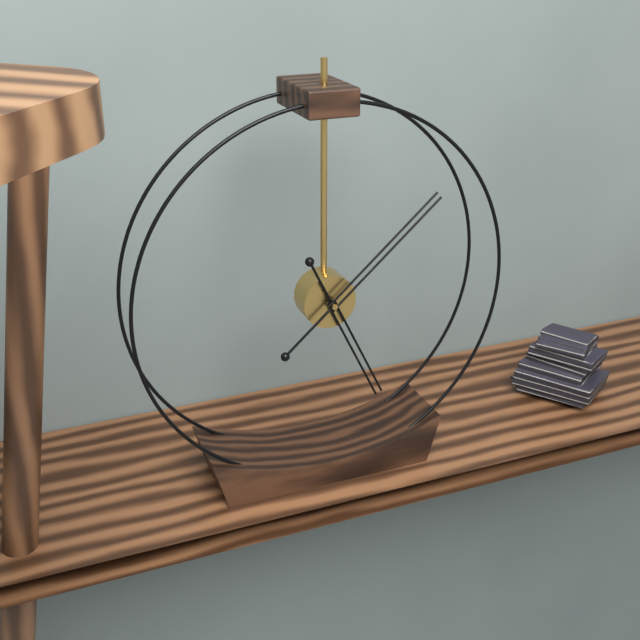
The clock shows h=5 m=8
